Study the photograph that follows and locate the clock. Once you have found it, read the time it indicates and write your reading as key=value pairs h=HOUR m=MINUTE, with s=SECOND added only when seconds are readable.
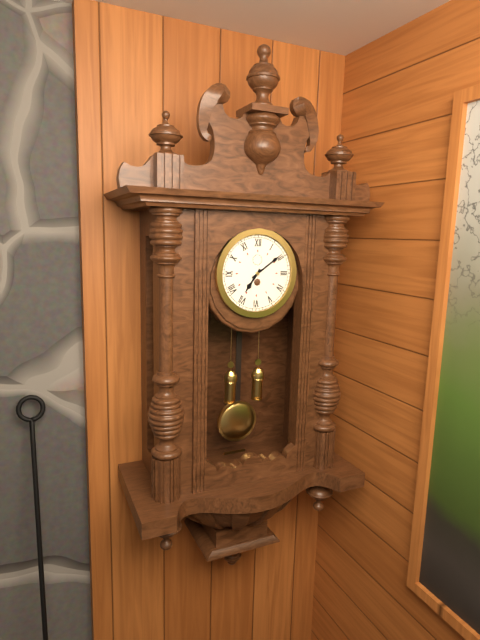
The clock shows h=7 m=9
